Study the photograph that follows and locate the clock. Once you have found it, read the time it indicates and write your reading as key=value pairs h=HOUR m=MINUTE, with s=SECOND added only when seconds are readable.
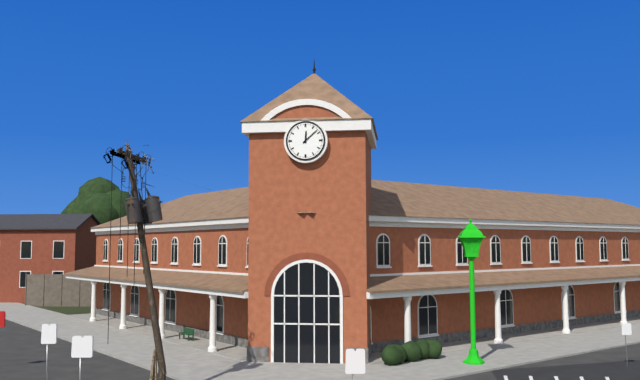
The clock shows h=12 m=8
